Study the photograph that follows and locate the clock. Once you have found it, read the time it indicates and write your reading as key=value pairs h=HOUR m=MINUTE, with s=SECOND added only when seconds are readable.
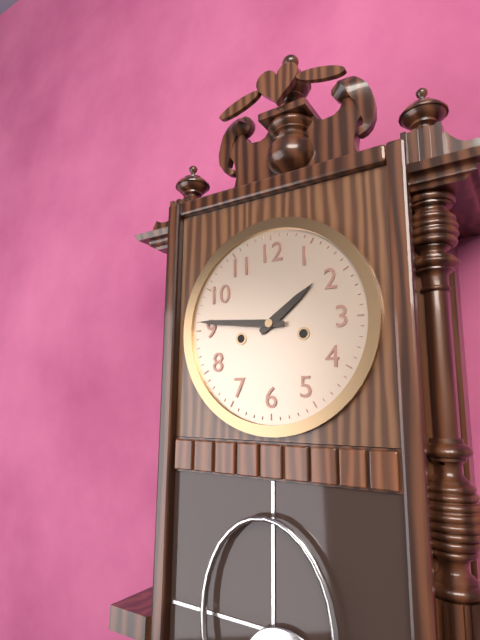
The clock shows h=1 m=46
